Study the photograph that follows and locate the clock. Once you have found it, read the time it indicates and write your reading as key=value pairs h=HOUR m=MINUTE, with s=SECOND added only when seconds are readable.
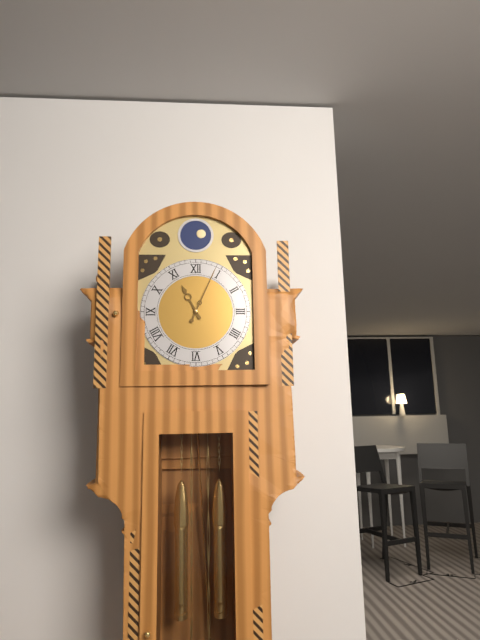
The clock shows h=11 m=4
